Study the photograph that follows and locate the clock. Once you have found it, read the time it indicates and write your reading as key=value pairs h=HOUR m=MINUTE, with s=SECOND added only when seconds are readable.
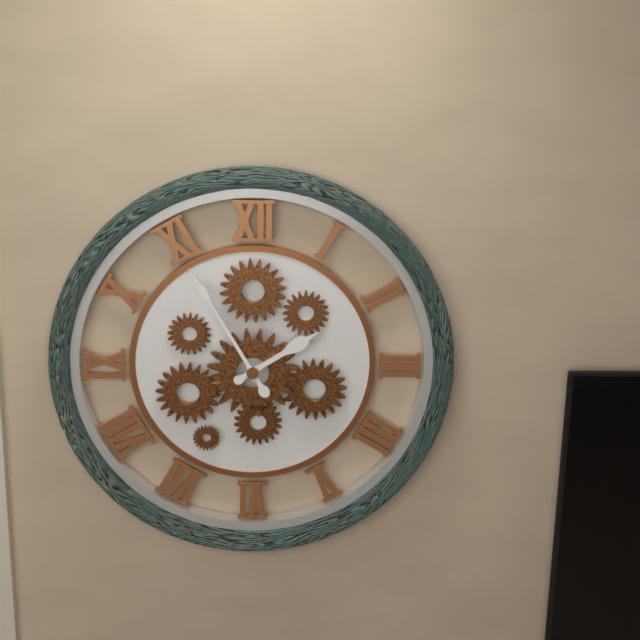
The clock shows h=1 m=55
